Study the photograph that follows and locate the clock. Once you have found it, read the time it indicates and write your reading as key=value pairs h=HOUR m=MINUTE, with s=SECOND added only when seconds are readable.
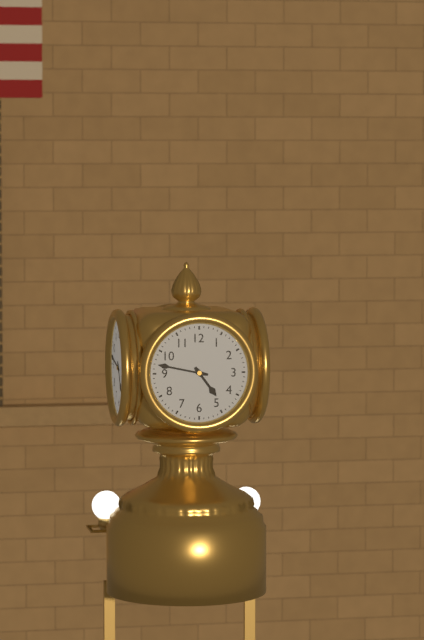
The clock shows h=4 m=47
